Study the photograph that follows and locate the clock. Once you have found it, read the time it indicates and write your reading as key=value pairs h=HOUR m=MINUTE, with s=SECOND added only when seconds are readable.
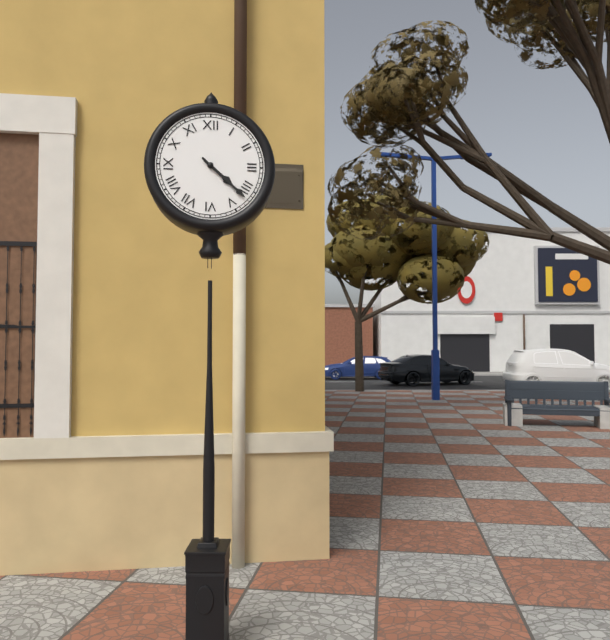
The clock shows h=4 m=22
